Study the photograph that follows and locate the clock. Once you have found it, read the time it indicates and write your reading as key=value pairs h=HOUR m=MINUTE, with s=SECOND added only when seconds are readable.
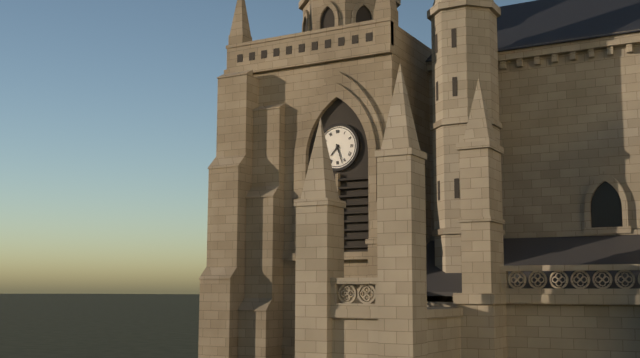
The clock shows h=7 m=27
